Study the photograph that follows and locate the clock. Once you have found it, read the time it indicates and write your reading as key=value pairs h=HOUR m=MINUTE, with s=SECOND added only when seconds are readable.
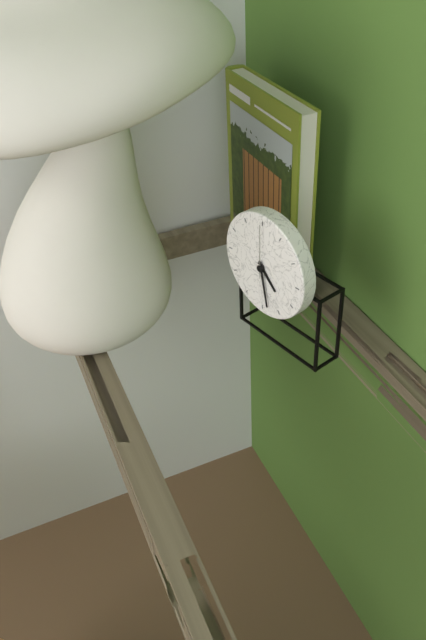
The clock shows h=4 m=28 s=0
